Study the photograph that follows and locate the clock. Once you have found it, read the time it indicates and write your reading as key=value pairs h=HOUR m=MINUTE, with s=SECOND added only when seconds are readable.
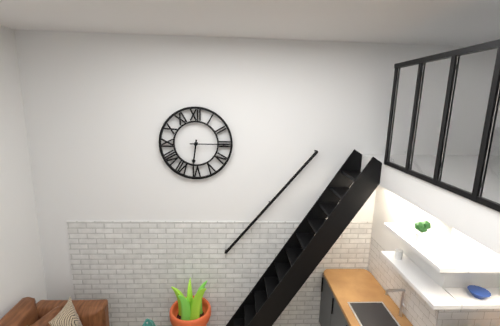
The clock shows h=6 m=15
